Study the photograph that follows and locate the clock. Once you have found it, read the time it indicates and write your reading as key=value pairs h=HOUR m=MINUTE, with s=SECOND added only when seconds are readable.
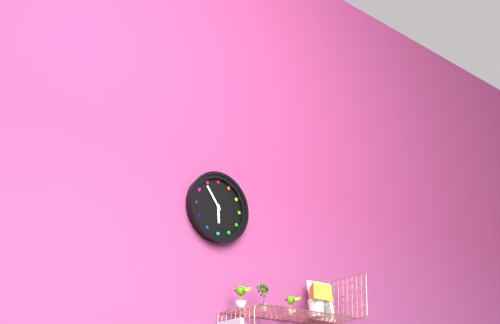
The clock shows h=5 m=54
